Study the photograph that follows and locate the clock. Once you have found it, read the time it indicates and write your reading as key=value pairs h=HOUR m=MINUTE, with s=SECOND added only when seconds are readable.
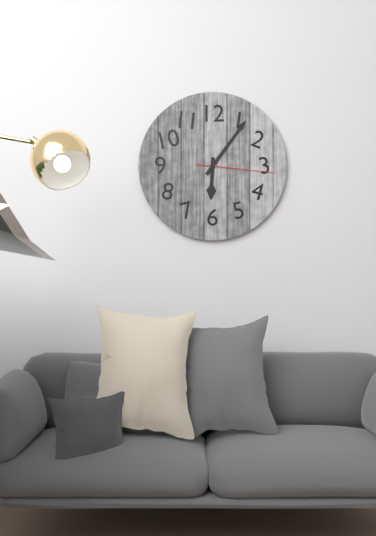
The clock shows h=6 m=6 s=16
